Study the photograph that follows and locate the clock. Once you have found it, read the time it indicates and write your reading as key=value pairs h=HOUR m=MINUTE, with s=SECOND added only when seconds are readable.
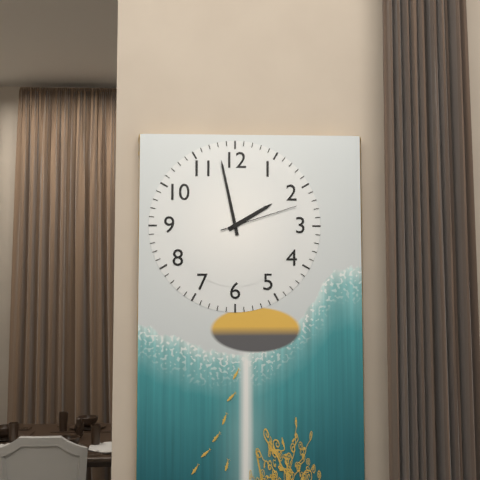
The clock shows h=1 m=58 s=12
